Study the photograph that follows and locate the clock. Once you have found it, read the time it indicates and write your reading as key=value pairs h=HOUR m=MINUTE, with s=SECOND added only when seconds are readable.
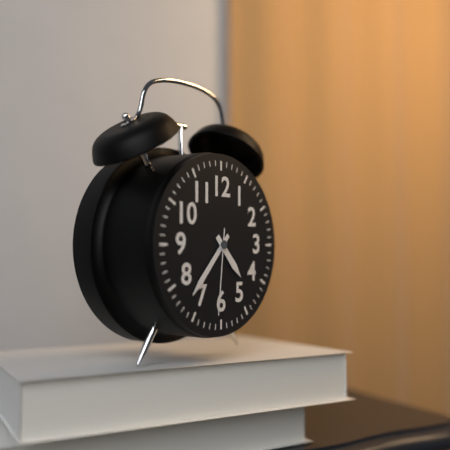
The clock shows h=4 m=37 s=31
